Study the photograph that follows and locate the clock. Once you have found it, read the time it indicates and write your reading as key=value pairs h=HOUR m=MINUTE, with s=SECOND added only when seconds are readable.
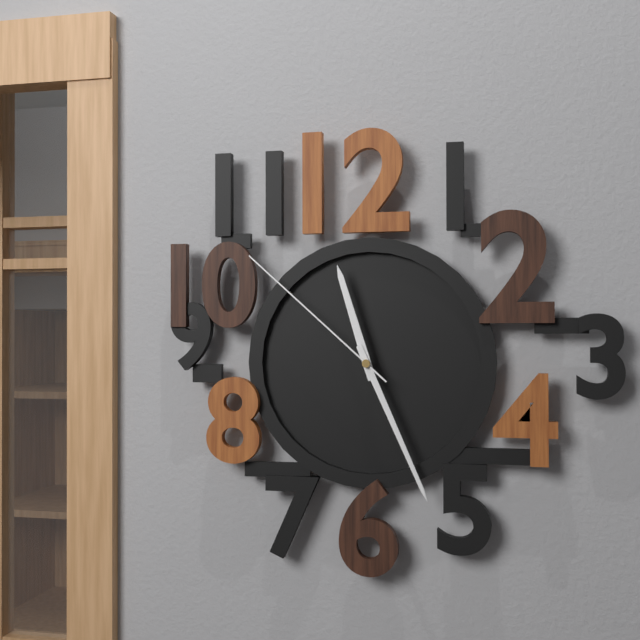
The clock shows h=11 m=26 s=52
